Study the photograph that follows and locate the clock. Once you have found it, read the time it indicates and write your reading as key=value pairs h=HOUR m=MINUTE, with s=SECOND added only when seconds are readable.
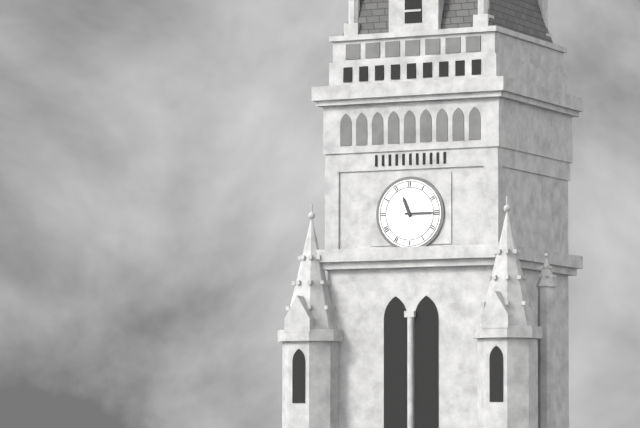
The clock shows h=11 m=15
